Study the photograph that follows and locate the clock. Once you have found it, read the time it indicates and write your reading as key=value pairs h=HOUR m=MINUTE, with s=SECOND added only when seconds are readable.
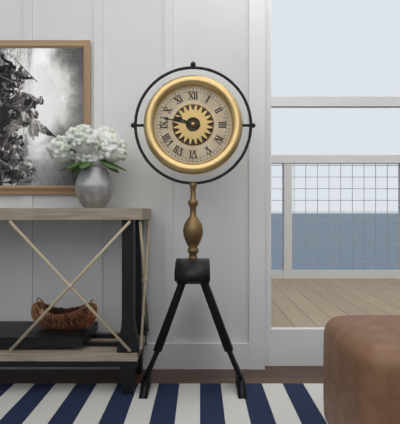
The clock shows h=9 m=47
